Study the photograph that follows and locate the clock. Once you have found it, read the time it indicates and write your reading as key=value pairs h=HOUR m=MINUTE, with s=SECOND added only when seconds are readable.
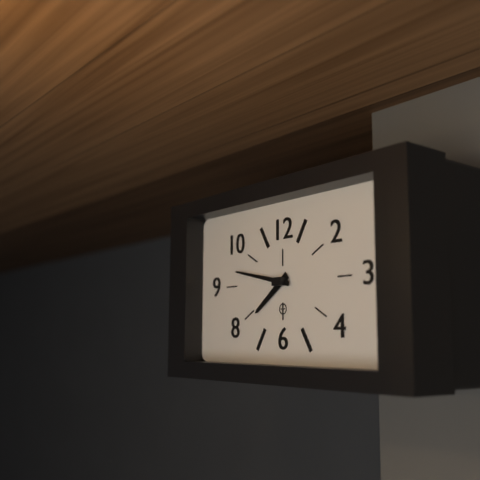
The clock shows h=7 m=47
